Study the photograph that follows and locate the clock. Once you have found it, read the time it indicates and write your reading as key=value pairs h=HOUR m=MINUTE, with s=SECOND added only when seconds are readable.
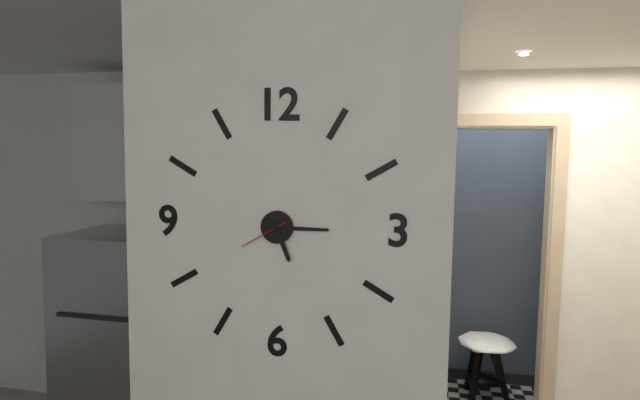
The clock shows h=5 m=15
